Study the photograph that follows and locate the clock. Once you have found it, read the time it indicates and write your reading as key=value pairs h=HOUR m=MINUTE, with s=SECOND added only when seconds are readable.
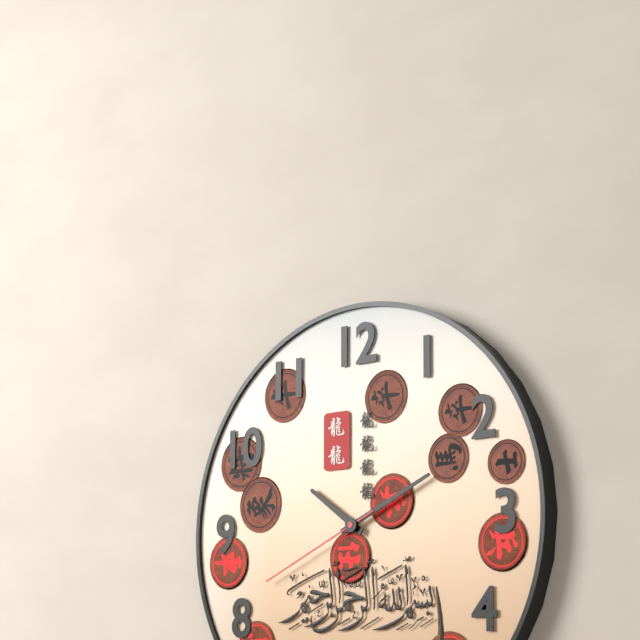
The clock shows h=10 m=11 s=41
